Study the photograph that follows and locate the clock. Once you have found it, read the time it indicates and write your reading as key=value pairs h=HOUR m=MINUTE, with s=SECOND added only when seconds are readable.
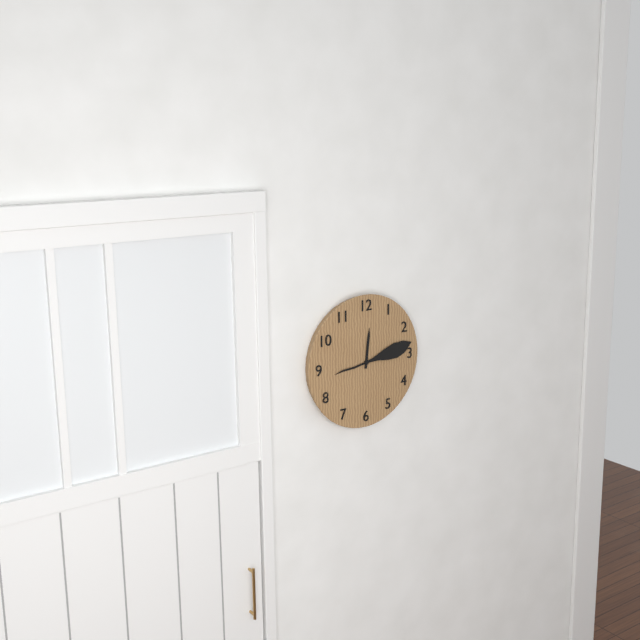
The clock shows h=12 m=13
